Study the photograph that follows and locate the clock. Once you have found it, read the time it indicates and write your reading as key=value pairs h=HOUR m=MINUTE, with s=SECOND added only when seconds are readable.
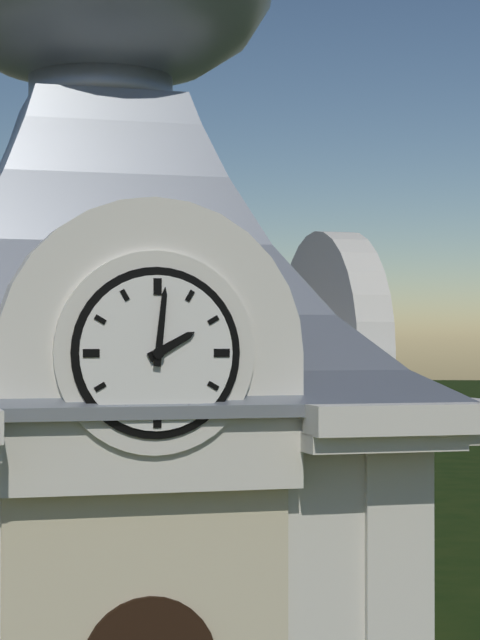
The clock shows h=2 m=1
